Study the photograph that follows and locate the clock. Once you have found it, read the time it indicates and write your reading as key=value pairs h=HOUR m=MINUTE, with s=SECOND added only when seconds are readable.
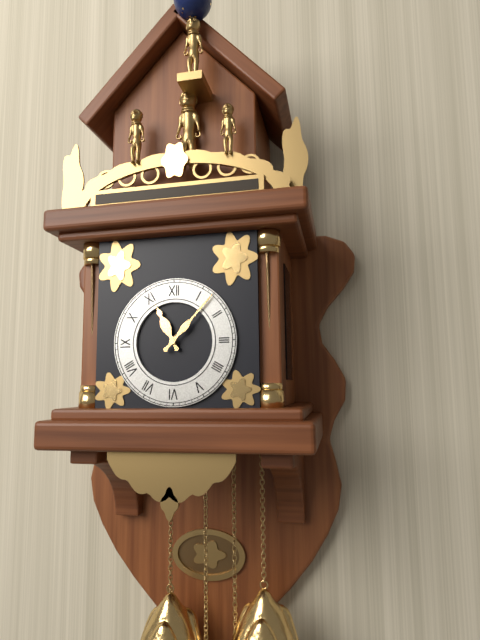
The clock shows h=11 m=7
